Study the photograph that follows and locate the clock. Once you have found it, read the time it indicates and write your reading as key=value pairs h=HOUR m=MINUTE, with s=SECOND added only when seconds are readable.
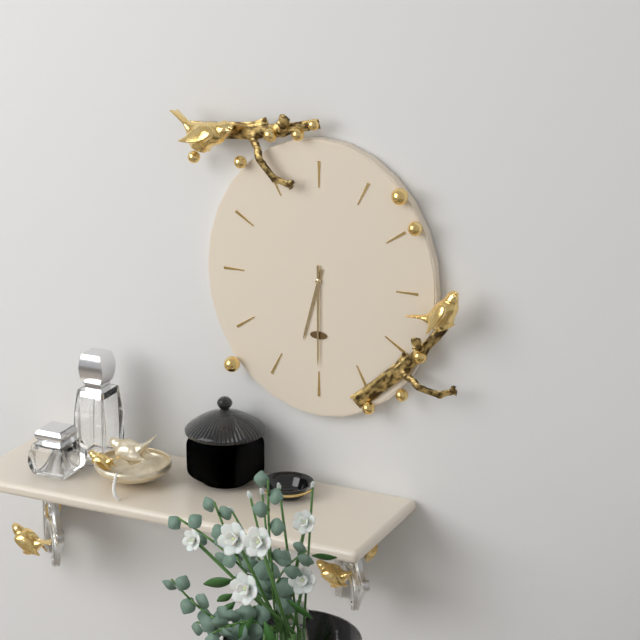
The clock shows h=6 m=30
